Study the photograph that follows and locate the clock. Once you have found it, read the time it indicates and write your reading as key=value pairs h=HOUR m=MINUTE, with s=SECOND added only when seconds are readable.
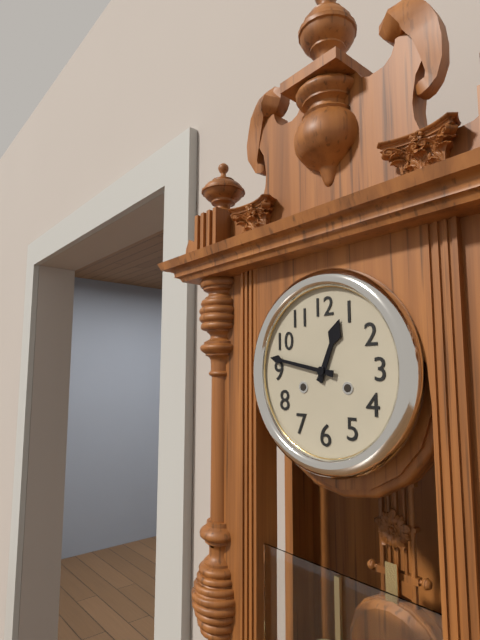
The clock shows h=12 m=47
